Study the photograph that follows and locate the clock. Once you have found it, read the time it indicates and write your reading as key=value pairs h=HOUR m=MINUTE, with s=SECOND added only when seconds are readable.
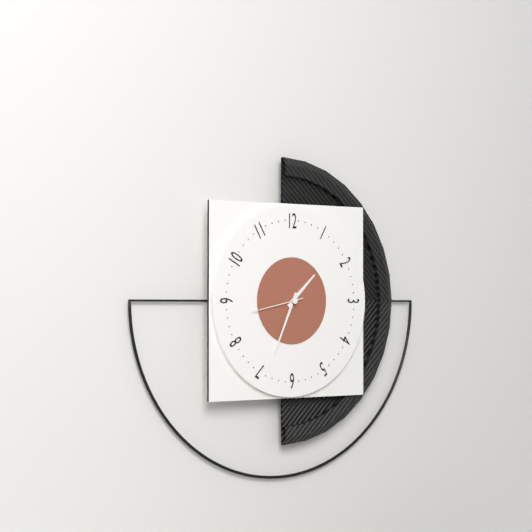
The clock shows h=1 m=34 s=43
